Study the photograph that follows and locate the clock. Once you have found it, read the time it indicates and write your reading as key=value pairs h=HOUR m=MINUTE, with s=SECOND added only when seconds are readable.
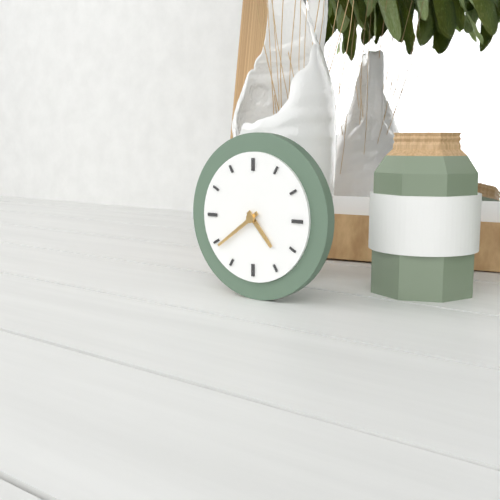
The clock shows h=4 m=39
